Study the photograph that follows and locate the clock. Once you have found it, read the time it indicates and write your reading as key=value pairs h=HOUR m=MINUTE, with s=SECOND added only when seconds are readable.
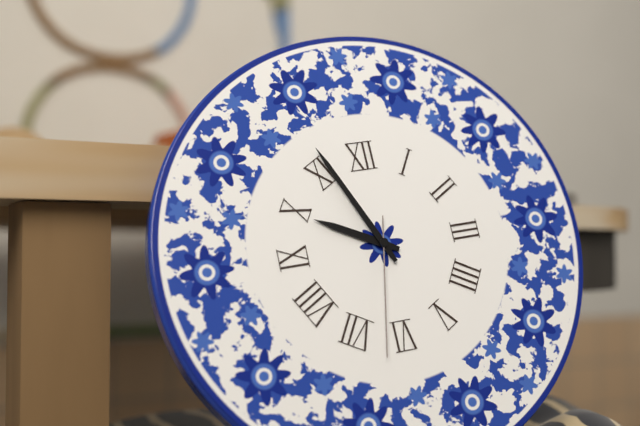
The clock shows h=9 m=56 s=32
